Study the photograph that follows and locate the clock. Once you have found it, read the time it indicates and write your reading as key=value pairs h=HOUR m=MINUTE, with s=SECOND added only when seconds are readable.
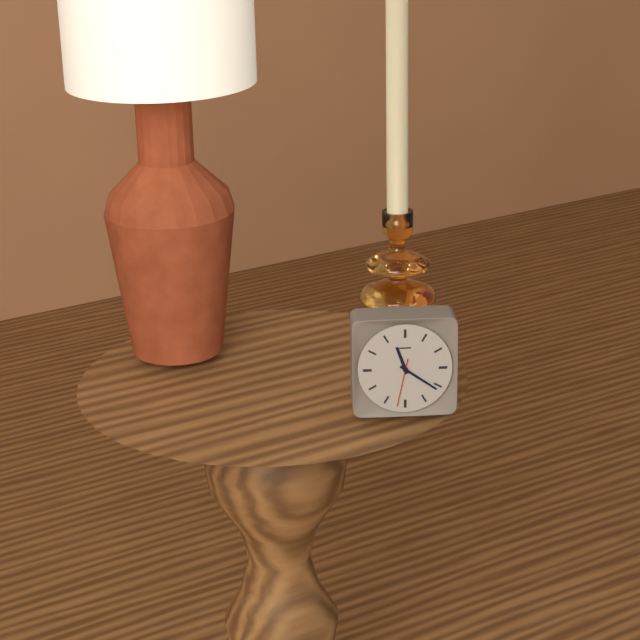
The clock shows h=11 m=21 s=32
